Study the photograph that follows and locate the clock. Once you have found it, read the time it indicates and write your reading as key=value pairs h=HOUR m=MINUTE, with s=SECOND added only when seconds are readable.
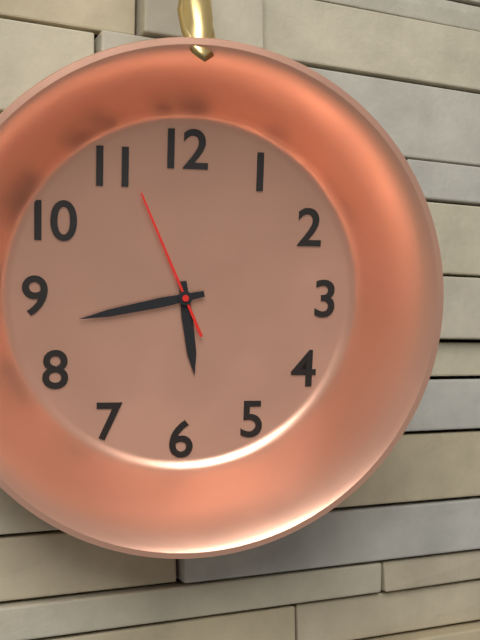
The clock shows h=5 m=43 s=56
